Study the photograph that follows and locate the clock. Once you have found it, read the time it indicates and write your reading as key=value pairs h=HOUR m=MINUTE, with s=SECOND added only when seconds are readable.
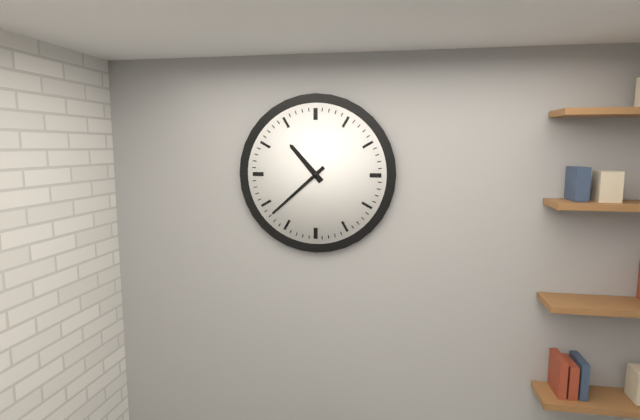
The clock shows h=10 m=38
